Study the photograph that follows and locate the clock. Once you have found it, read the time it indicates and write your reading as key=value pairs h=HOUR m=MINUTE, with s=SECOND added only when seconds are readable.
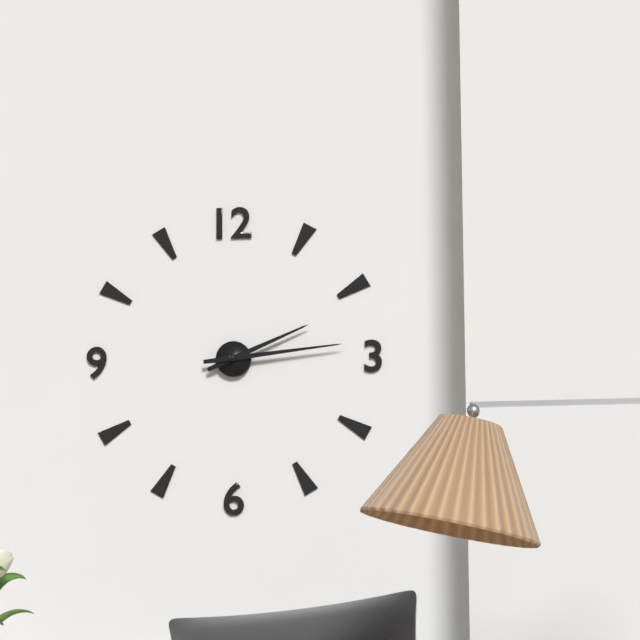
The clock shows h=2 m=14
